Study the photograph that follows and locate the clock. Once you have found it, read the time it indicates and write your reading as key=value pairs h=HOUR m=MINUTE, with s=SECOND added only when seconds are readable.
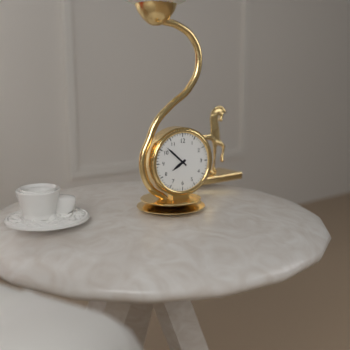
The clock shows h=7 m=52
